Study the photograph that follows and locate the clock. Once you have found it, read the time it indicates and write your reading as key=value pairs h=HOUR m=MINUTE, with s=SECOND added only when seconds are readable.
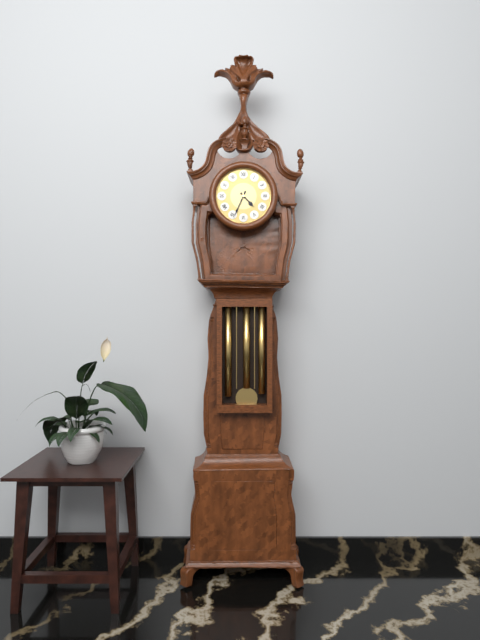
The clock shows h=4 m=34
